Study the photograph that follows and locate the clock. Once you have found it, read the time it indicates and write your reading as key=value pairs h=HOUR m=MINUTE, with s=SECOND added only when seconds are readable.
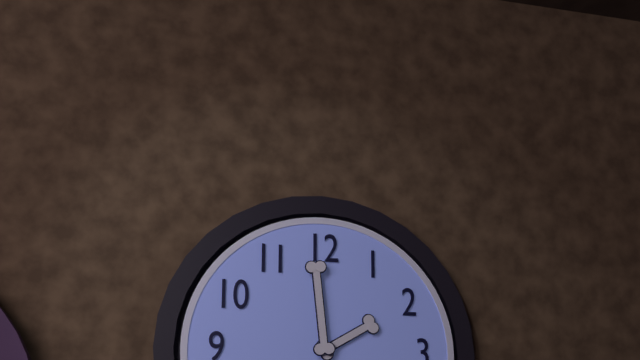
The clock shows h=1 m=59
